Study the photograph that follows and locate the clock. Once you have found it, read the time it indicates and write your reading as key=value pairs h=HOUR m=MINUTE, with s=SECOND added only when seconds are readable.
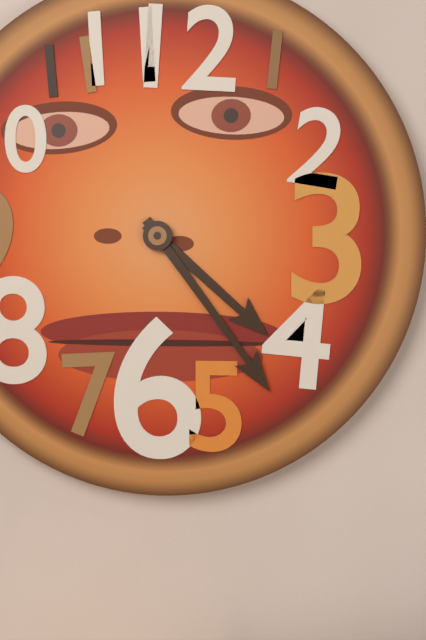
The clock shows h=4 m=24
